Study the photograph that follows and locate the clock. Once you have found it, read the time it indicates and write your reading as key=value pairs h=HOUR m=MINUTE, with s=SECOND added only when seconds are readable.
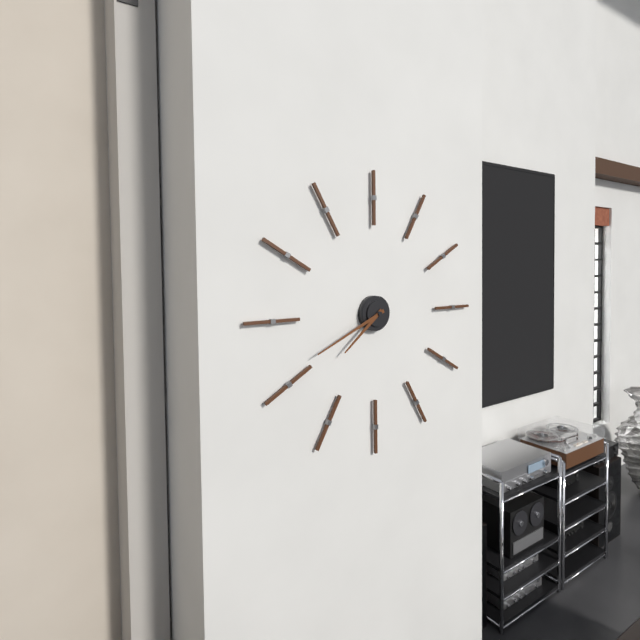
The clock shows h=7 m=41
